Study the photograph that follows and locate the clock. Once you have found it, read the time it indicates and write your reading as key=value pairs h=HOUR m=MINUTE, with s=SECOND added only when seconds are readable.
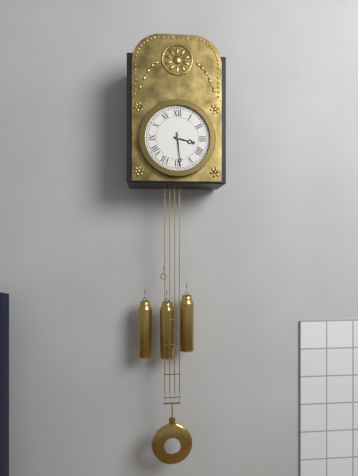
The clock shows h=3 m=29
